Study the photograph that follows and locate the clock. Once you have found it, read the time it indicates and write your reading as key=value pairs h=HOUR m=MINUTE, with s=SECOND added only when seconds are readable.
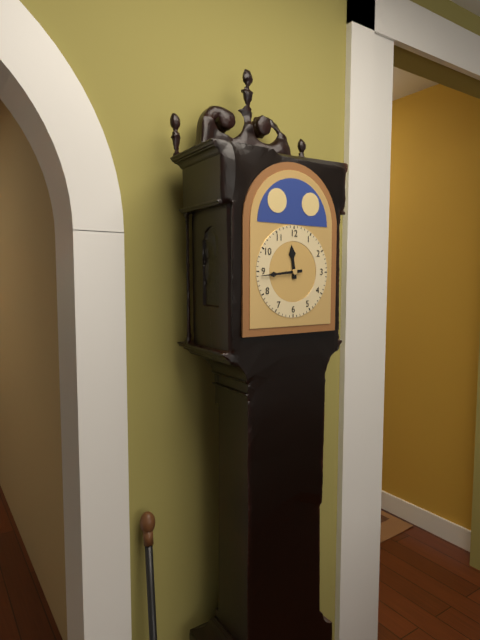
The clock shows h=11 m=44
